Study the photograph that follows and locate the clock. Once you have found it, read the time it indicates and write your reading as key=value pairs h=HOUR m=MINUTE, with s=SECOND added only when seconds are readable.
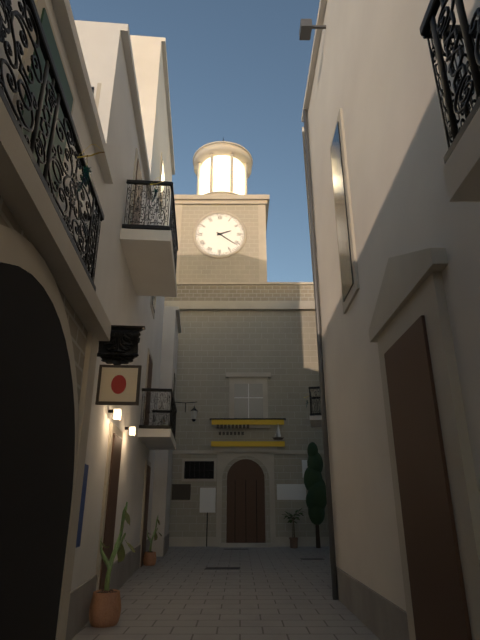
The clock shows h=2 m=21
